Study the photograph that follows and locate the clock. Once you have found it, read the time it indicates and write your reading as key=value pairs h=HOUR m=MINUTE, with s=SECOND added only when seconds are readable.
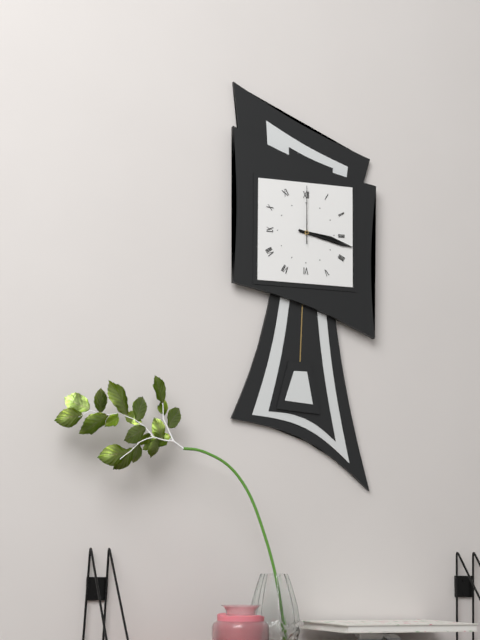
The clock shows h=3 m=17 s=0
